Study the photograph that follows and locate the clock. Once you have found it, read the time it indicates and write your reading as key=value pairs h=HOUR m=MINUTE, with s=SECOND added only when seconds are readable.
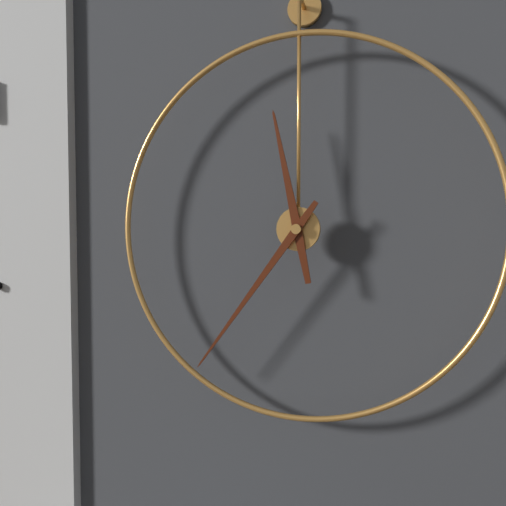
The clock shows h=11 m=36
